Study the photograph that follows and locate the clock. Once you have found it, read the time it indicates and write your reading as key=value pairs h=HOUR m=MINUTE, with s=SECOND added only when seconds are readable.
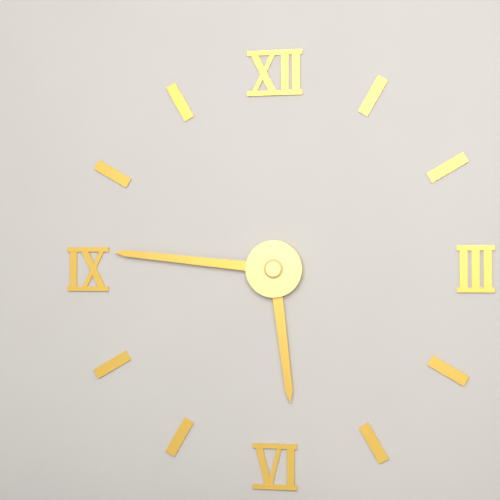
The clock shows h=5 m=46
